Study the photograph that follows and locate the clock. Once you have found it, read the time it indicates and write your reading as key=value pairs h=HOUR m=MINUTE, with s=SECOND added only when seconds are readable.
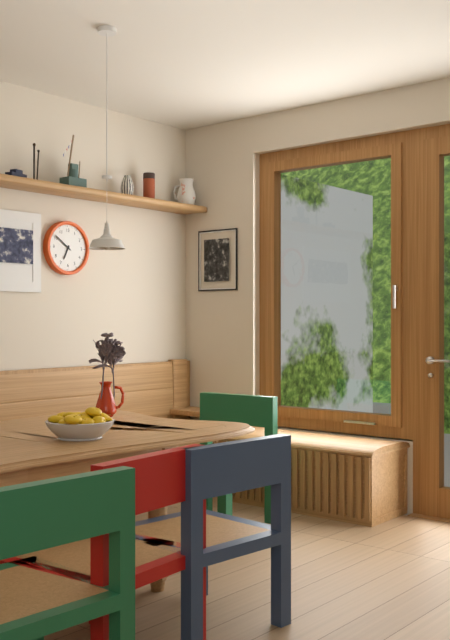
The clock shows h=6 m=51
